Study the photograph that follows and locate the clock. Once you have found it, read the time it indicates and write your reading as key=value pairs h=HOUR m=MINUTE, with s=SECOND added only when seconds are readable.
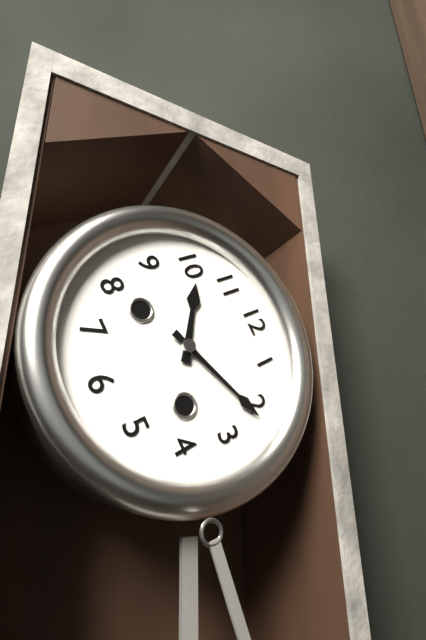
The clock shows h=10 m=11
